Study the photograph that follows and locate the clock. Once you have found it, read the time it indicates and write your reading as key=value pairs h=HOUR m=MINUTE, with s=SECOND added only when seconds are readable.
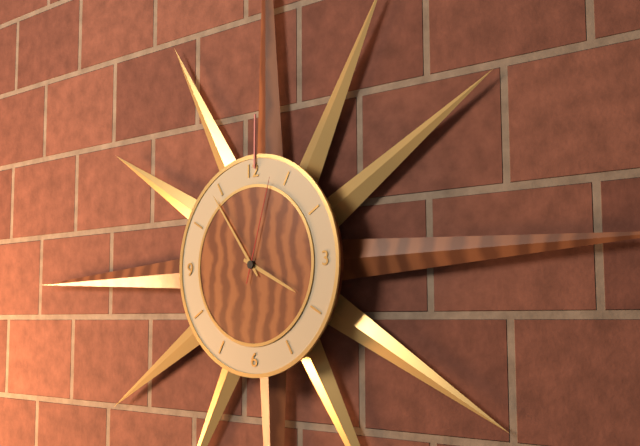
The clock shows h=3 m=54 s=3
